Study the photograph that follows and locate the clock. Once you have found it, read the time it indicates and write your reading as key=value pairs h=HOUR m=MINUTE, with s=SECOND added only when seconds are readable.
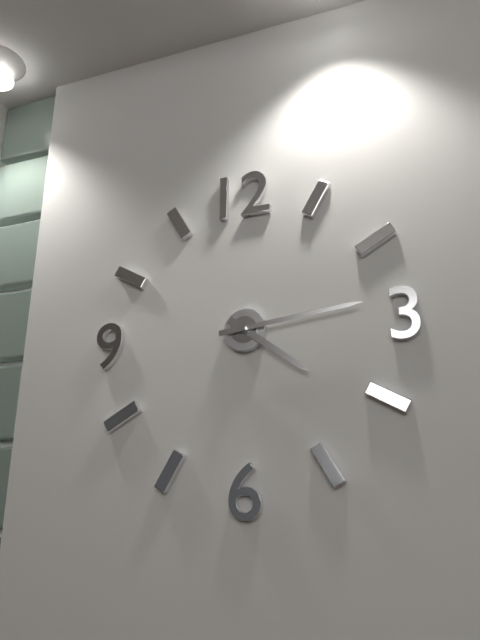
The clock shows h=4 m=14
